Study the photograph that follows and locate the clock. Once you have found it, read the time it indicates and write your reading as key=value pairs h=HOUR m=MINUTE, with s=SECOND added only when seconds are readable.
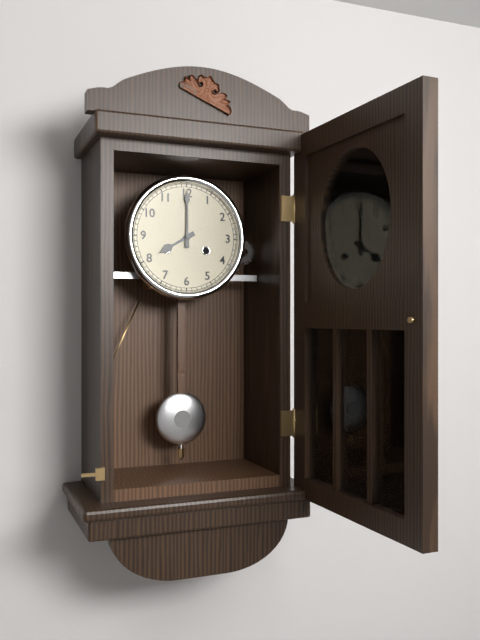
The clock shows h=8 m=0
